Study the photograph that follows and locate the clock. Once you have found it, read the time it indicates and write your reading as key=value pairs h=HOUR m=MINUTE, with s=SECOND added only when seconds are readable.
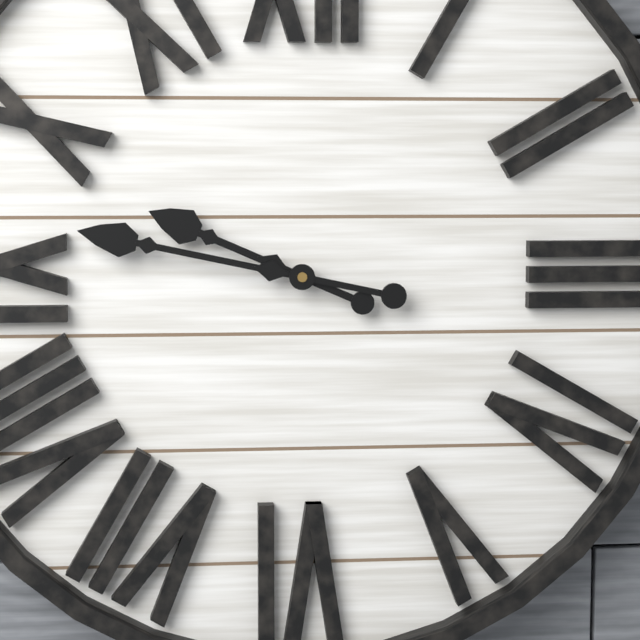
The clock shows h=9 m=47
